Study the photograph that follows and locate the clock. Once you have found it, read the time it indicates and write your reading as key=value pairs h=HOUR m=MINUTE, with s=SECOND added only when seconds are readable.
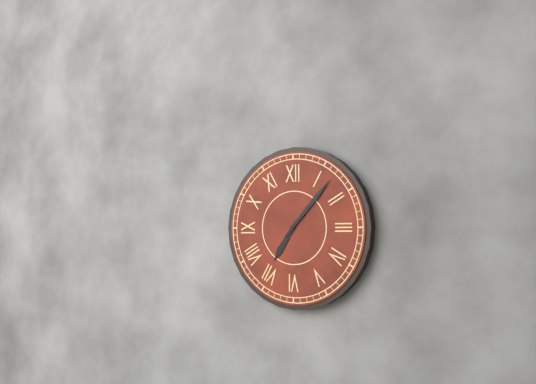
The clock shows h=7 m=7
